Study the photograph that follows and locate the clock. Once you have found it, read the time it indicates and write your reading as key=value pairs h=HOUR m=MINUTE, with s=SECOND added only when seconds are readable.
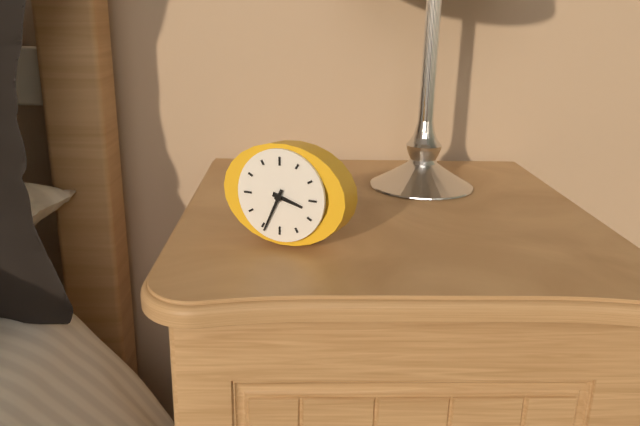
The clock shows h=3 m=34
